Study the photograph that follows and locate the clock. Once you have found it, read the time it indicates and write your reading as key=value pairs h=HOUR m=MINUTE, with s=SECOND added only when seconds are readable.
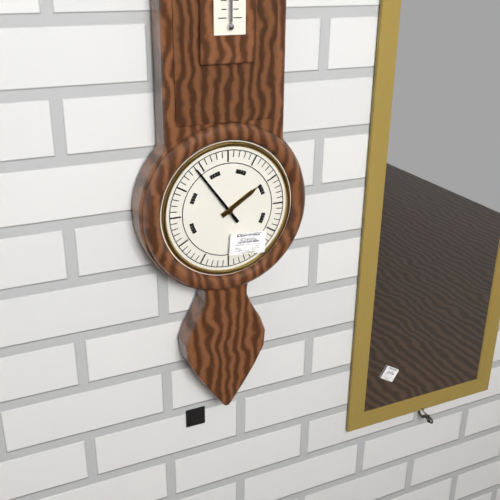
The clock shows h=1 m=54
